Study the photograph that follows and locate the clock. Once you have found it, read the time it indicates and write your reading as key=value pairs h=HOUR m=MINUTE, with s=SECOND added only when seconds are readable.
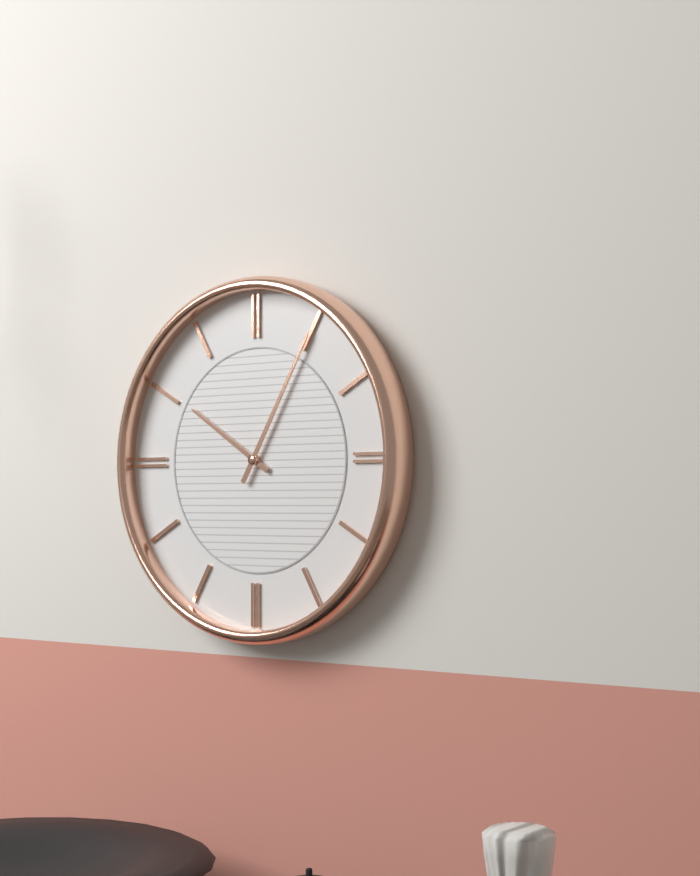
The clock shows h=10 m=5
